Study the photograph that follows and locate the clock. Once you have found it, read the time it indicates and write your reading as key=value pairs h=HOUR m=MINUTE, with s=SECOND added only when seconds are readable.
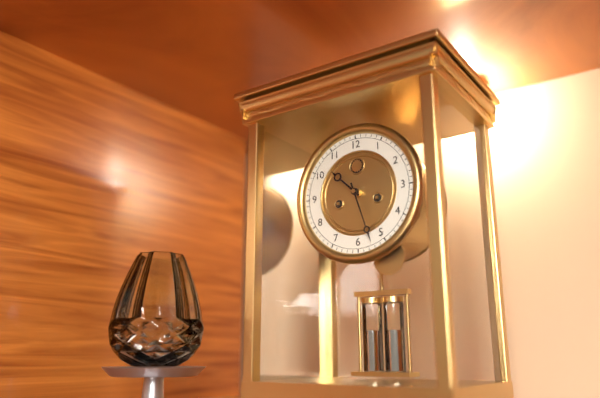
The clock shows h=10 m=27
